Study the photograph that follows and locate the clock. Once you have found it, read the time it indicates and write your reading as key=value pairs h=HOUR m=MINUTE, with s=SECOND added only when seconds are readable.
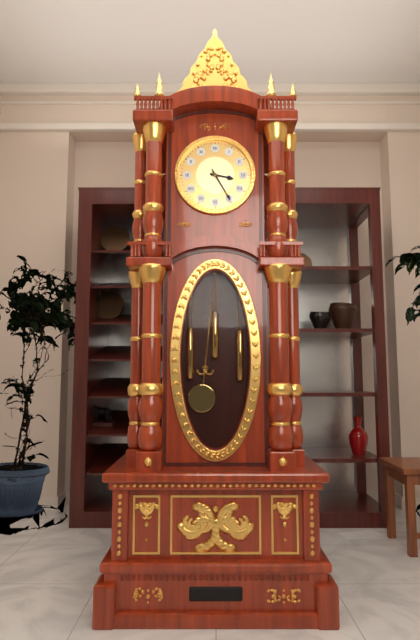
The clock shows h=3 m=25
